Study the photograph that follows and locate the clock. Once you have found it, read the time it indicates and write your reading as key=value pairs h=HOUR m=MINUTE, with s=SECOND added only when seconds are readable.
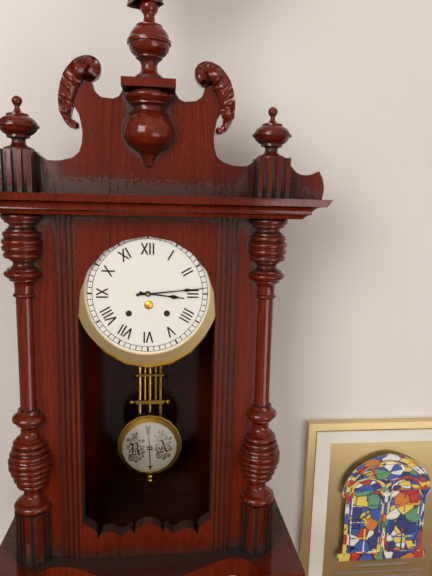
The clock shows h=3 m=14
